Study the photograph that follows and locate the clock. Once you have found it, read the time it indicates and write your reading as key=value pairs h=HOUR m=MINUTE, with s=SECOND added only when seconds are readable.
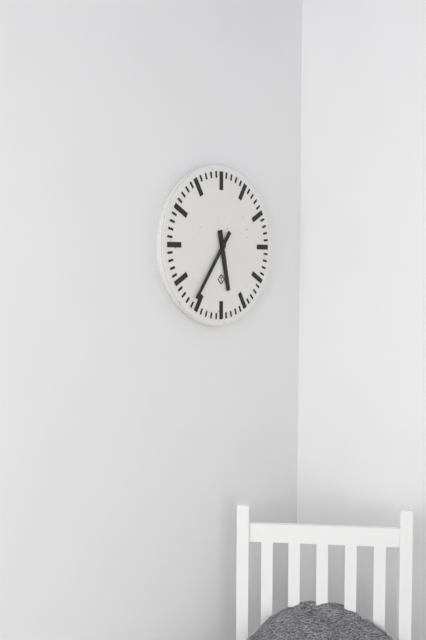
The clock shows h=5 m=36
